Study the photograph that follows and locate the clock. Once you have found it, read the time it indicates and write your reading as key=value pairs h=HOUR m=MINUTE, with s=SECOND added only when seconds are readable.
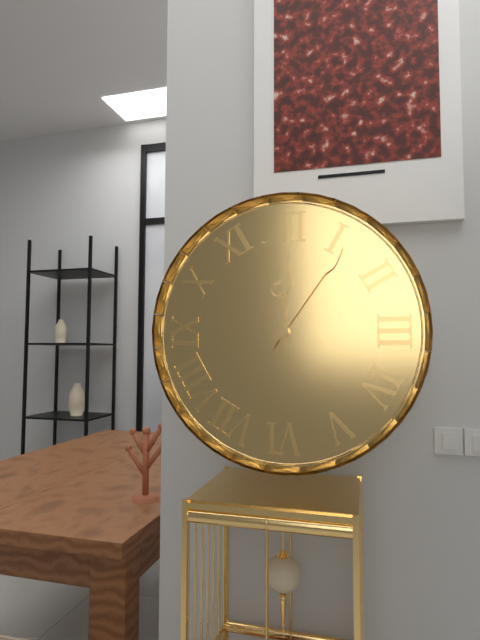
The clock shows h=12 m=6
